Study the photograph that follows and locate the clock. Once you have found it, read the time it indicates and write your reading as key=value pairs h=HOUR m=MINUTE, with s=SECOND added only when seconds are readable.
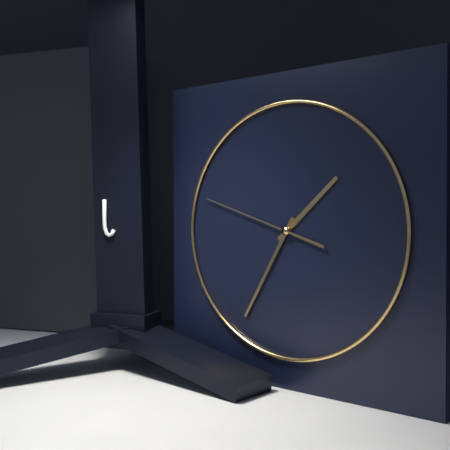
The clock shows h=1 m=35 s=48
